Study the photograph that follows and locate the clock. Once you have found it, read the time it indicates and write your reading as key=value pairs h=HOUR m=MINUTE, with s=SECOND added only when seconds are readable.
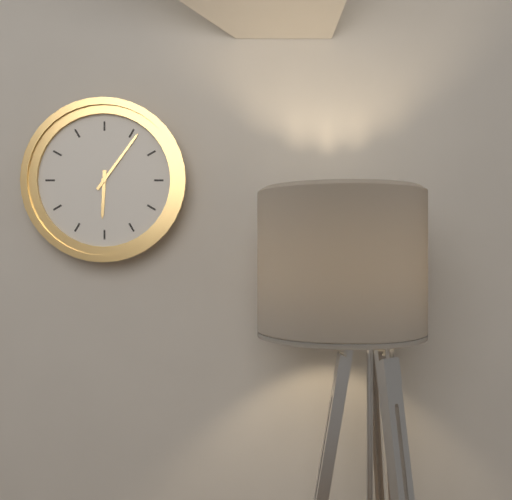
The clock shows h=6 m=6
